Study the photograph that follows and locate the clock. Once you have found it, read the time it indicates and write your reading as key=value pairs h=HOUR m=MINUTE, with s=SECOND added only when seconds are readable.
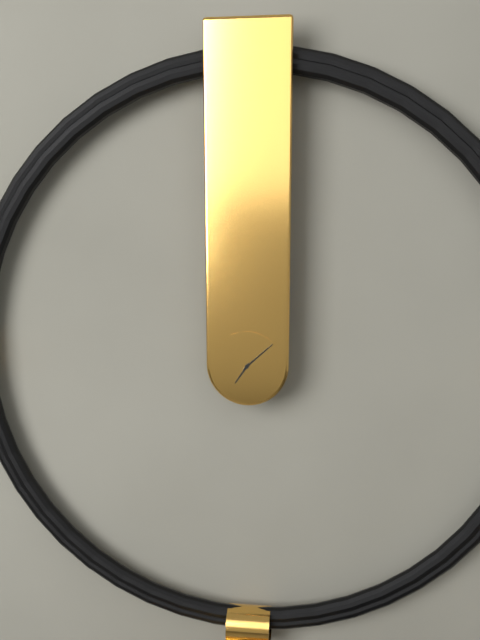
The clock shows h=7 m=8
